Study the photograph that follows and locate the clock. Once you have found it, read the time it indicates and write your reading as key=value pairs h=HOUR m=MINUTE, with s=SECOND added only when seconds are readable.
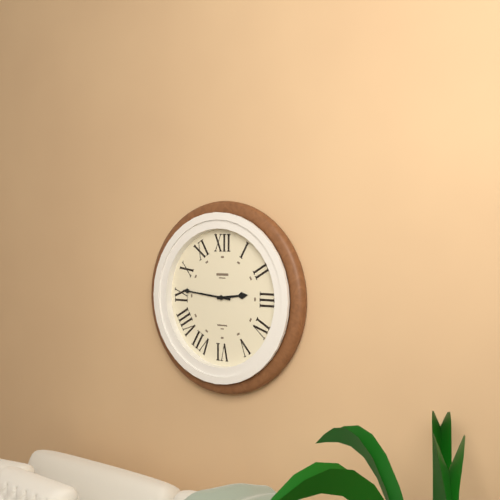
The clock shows h=2 m=46
